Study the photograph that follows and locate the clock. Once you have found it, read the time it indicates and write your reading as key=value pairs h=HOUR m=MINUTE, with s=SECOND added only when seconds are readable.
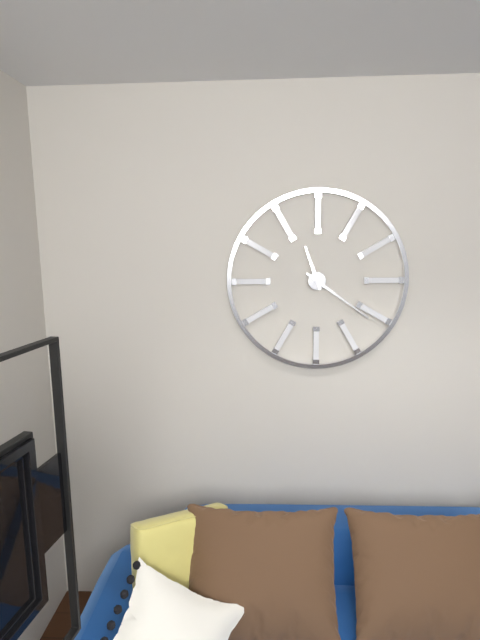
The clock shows h=11 m=21
